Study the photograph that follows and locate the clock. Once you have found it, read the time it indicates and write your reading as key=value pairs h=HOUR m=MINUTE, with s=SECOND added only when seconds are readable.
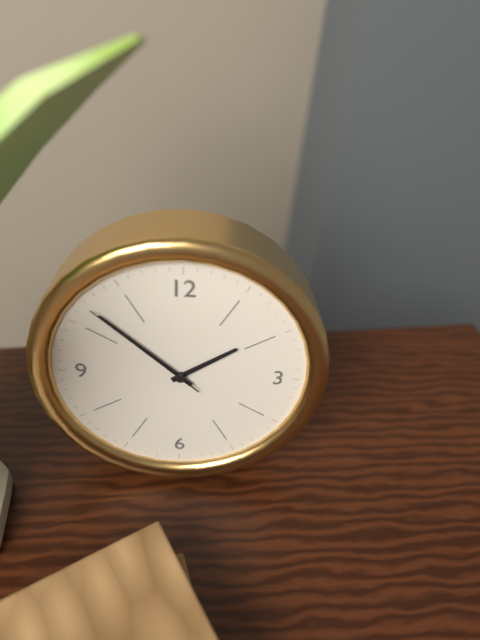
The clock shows h=1 m=52 s=52
